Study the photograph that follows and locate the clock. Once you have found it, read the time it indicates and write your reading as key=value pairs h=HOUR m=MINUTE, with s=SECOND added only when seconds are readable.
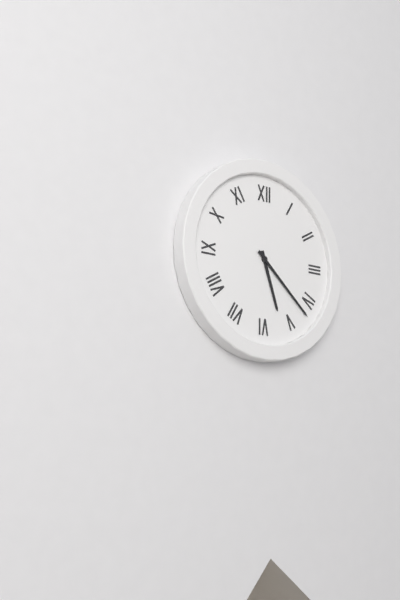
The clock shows h=5 m=22
